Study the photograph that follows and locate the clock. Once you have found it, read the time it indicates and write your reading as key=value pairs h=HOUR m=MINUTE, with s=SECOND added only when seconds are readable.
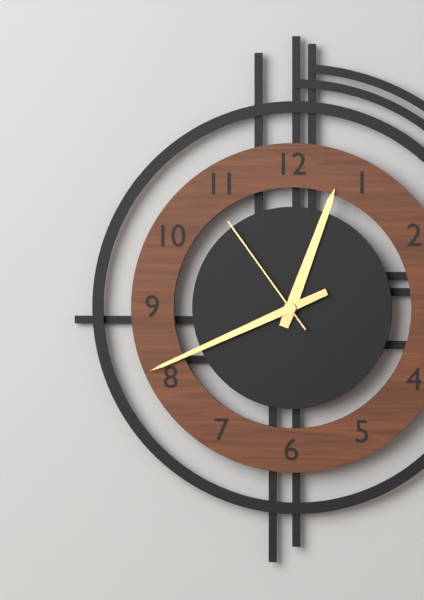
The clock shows h=12 m=41 s=54
